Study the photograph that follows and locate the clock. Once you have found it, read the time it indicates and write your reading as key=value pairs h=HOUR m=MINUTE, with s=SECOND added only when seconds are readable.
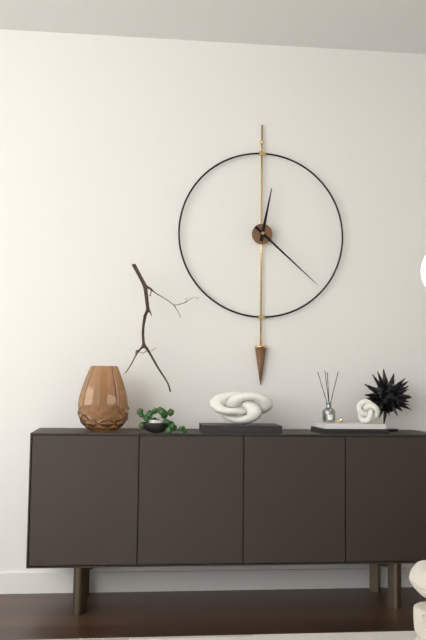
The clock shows h=12 m=22
